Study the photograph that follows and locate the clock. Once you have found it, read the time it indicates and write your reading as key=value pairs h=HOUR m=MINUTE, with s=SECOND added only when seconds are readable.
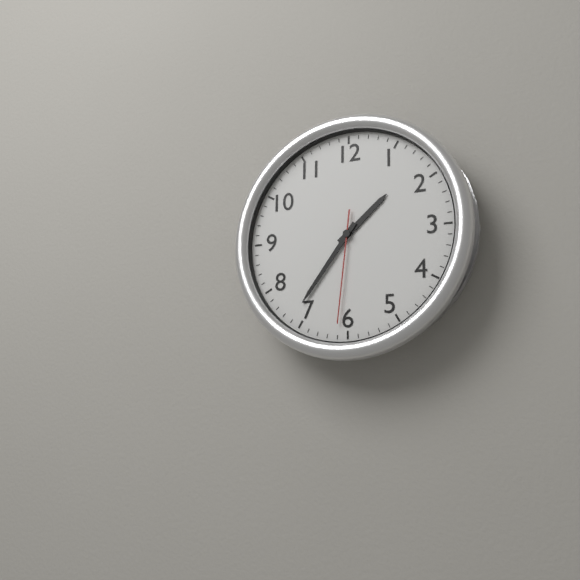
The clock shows h=1 m=36 s=31
